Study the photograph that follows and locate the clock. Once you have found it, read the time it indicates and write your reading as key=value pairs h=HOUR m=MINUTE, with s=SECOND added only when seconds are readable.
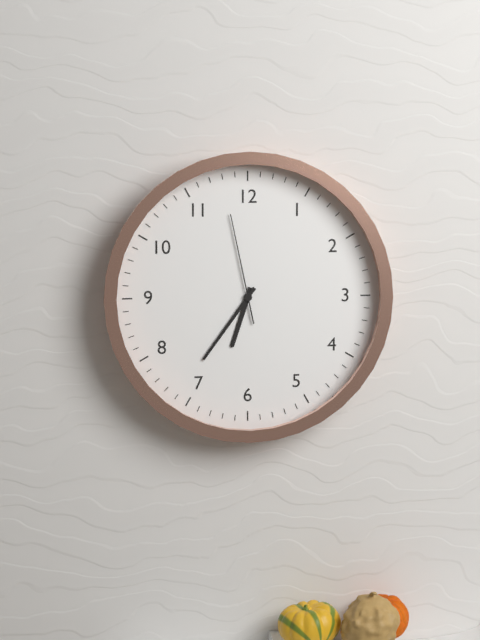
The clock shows h=6 m=36 s=58
